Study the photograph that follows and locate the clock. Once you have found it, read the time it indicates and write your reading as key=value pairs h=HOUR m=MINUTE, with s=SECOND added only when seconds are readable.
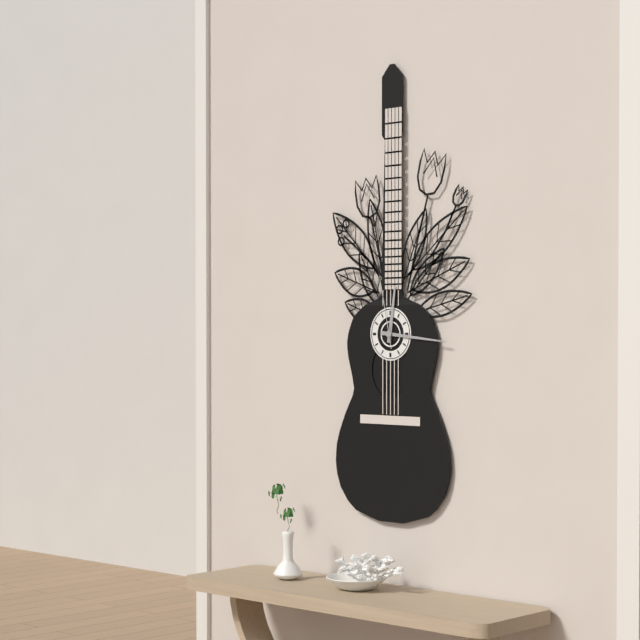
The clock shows h=12 m=16 s=58
